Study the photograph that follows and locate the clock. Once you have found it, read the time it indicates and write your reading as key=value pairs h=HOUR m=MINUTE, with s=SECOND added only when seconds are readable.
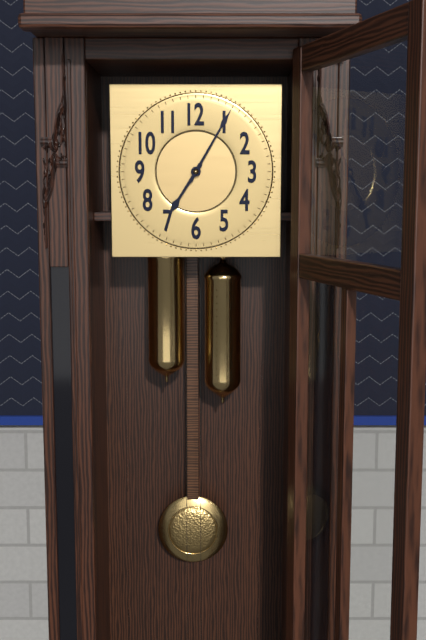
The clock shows h=7 m=5
